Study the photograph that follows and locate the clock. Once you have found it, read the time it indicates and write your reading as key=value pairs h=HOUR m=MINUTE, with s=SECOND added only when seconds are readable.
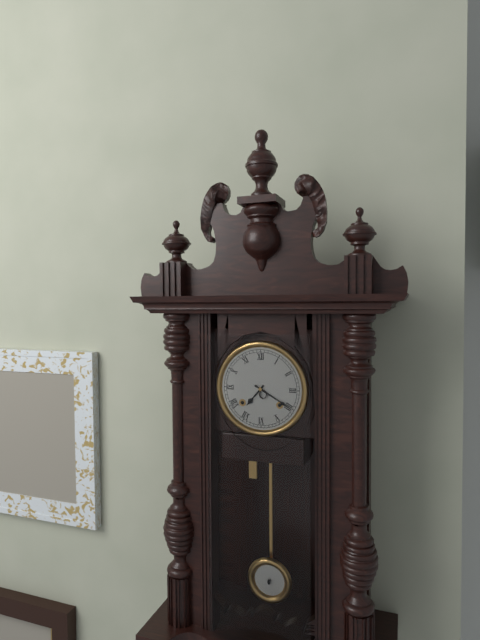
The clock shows h=7 m=20
